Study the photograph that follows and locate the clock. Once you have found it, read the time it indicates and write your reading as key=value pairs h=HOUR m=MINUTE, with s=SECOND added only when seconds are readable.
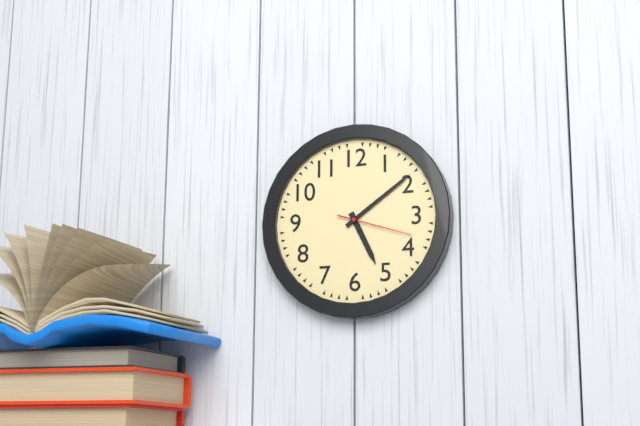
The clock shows h=5 m=9 s=18
